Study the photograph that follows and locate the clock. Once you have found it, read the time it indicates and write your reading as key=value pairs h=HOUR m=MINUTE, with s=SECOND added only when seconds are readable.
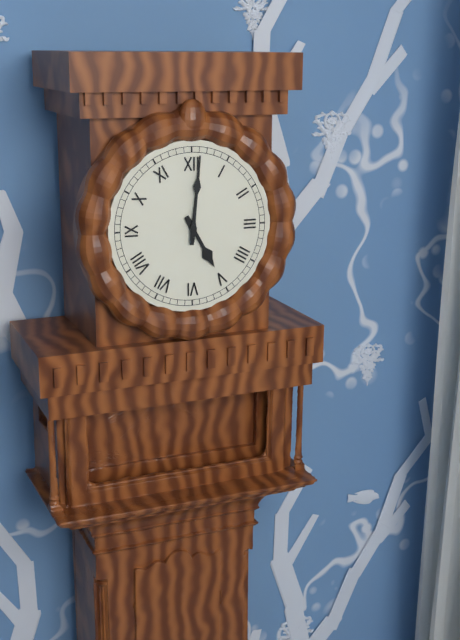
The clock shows h=5 m=1
